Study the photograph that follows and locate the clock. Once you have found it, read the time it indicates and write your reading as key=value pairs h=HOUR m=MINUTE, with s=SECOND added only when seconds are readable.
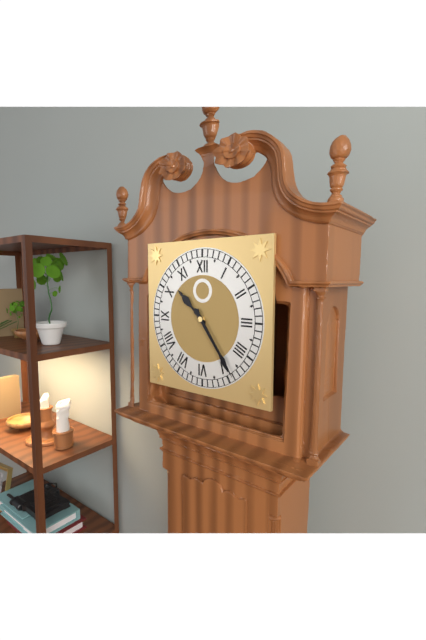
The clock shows h=10 m=24
